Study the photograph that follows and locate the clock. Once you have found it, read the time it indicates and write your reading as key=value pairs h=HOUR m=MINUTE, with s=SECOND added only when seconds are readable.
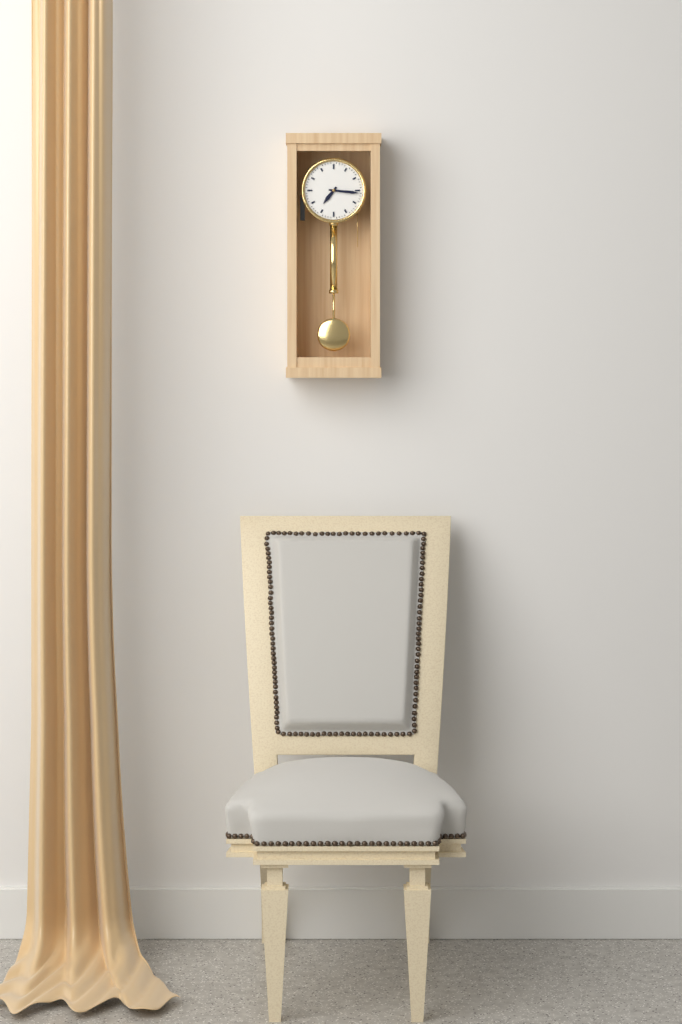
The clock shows h=7 m=16
